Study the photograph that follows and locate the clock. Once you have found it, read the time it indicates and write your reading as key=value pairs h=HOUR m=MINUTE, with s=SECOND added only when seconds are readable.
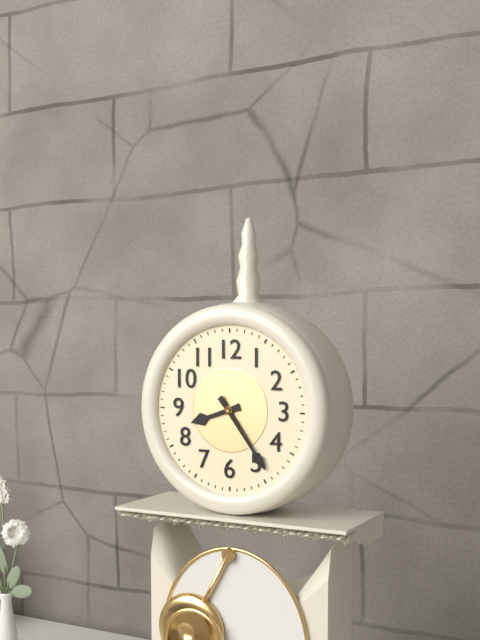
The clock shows h=8 m=24
